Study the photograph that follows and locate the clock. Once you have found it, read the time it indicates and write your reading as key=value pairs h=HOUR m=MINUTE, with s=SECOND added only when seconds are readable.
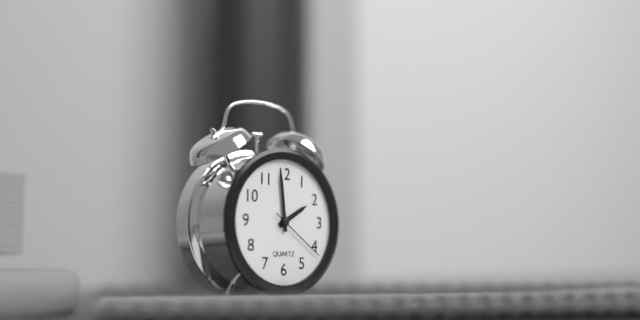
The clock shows h=1 m=59 s=21
